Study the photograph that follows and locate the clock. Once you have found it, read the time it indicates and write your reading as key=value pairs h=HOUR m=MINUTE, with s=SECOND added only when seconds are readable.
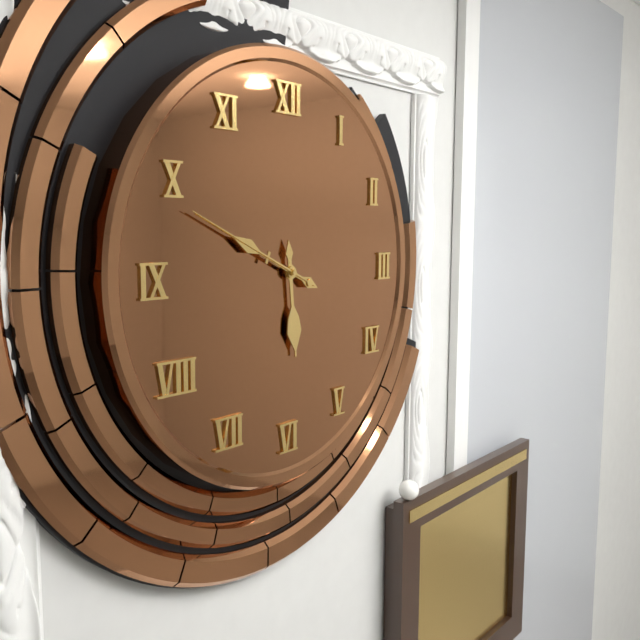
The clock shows h=5 m=49 s=49
